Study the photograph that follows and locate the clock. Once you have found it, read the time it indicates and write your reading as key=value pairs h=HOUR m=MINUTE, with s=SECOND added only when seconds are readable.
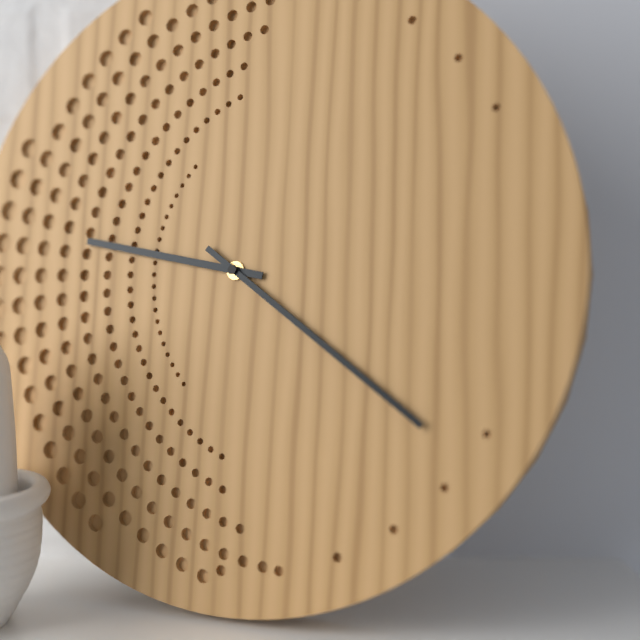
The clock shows h=9 m=21
